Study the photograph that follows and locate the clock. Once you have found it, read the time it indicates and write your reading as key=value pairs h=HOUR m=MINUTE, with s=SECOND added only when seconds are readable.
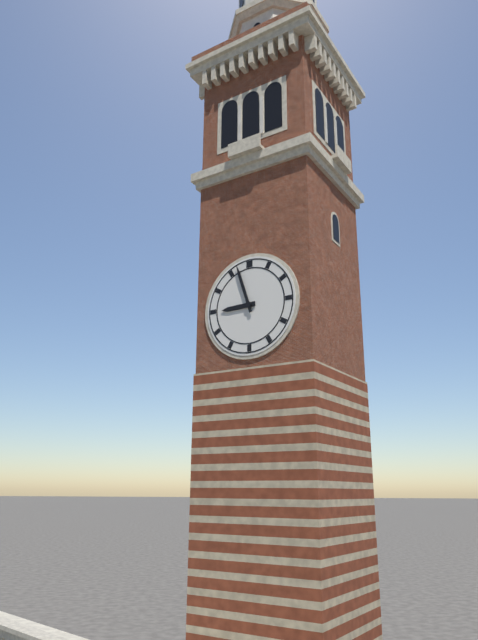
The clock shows h=8 m=57
